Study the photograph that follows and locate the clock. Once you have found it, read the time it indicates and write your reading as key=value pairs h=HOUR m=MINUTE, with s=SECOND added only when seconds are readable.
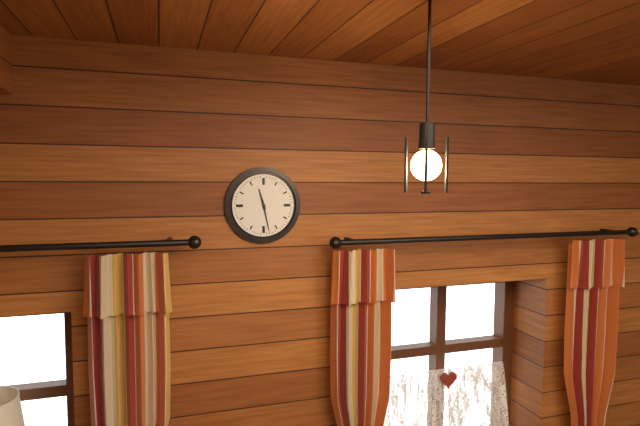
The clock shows h=11 m=28
